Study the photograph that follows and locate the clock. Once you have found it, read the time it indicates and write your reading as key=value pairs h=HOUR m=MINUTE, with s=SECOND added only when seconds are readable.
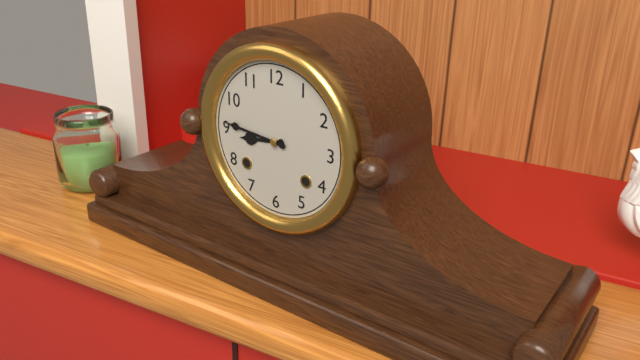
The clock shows h=8 m=46
